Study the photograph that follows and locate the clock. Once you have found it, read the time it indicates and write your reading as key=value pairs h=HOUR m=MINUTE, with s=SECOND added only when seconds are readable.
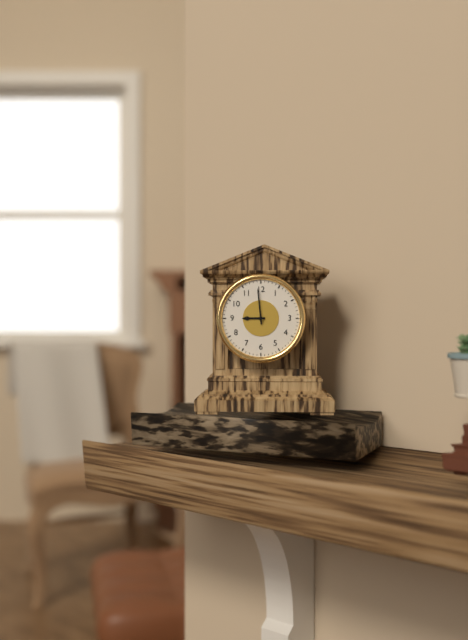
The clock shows h=8 m=59
